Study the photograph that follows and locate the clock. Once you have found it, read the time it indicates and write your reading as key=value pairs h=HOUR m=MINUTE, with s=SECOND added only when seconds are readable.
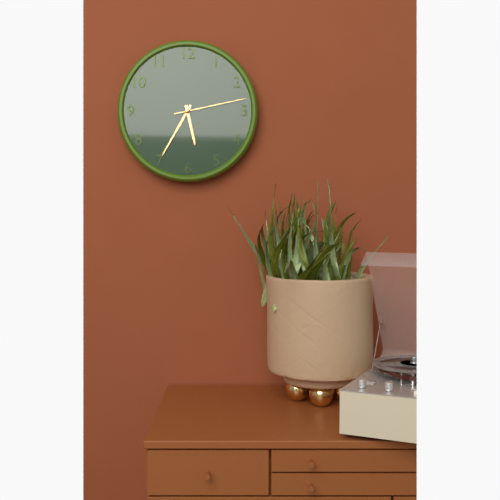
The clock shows h=5 m=35 s=13
